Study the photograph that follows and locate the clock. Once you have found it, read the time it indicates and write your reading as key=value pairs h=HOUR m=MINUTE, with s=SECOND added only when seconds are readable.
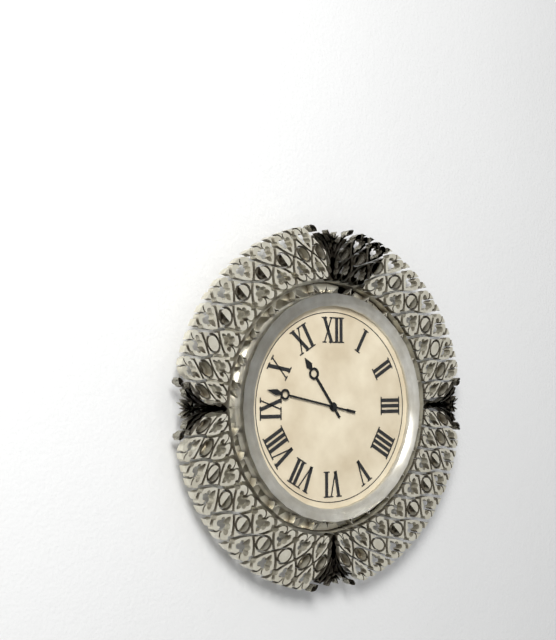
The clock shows h=10 m=47
